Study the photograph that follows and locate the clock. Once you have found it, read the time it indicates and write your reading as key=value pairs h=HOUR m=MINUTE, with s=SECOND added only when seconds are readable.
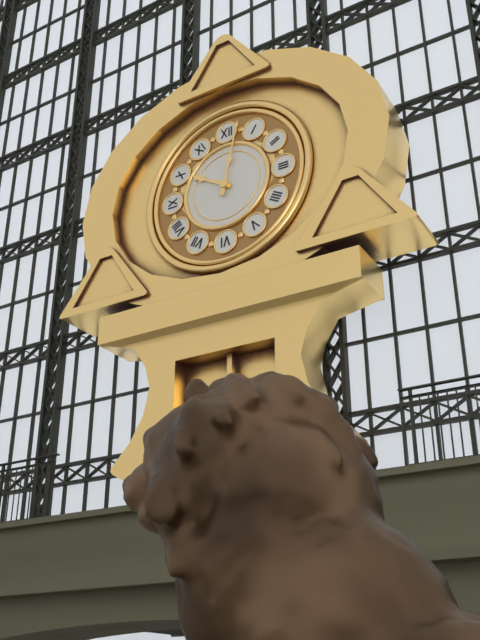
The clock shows h=10 m=2
